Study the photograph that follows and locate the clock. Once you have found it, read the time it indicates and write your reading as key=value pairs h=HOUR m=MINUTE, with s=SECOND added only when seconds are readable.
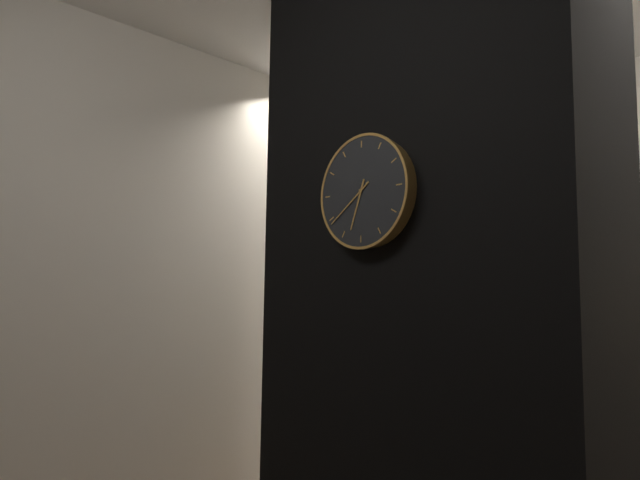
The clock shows h=6 m=39
